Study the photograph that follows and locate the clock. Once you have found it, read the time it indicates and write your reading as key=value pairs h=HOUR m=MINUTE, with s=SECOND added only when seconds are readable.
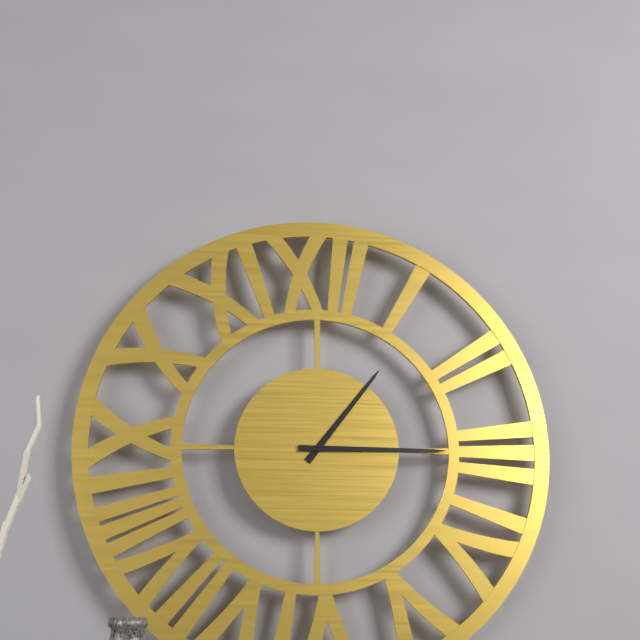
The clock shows h=1 m=15
